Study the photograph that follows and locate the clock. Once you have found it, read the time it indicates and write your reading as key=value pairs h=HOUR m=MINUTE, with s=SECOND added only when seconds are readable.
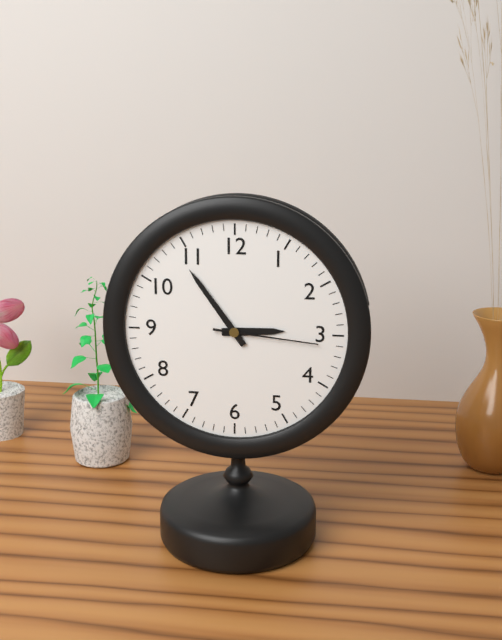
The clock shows h=2 m=54 s=16
